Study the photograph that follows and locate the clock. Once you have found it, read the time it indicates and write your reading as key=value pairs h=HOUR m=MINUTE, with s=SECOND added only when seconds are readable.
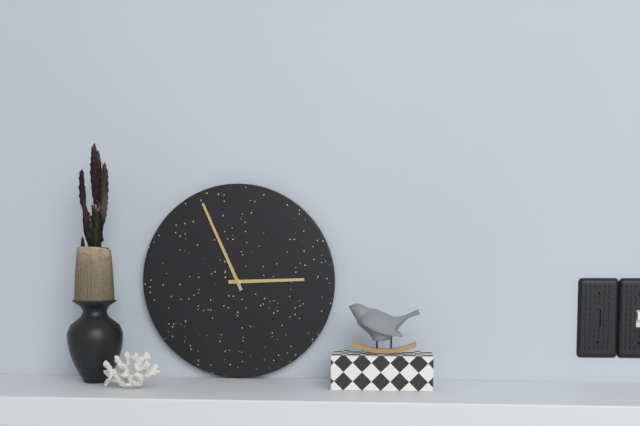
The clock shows h=2 m=56
